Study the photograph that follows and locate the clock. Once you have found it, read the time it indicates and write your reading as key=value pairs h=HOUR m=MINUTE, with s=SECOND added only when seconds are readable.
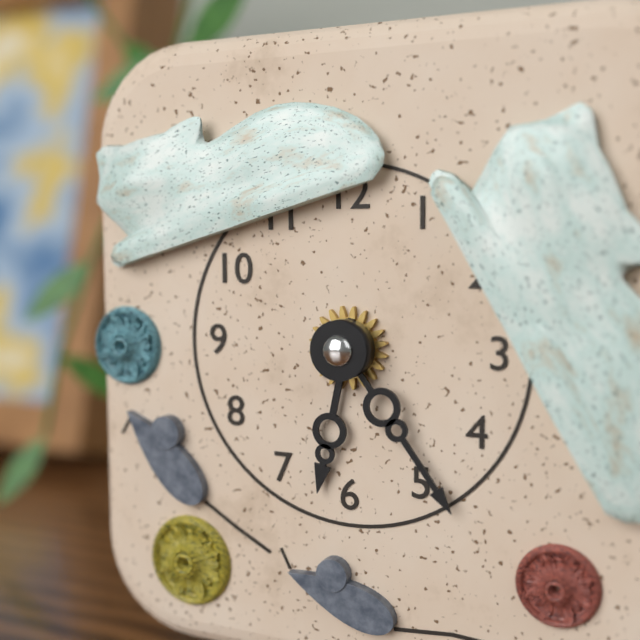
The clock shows h=6 m=24
